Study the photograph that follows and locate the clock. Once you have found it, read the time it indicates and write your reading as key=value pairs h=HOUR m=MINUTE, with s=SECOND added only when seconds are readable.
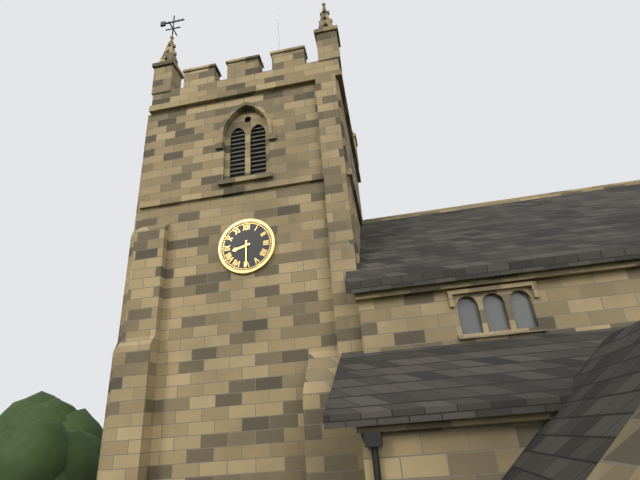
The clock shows h=8 m=30
